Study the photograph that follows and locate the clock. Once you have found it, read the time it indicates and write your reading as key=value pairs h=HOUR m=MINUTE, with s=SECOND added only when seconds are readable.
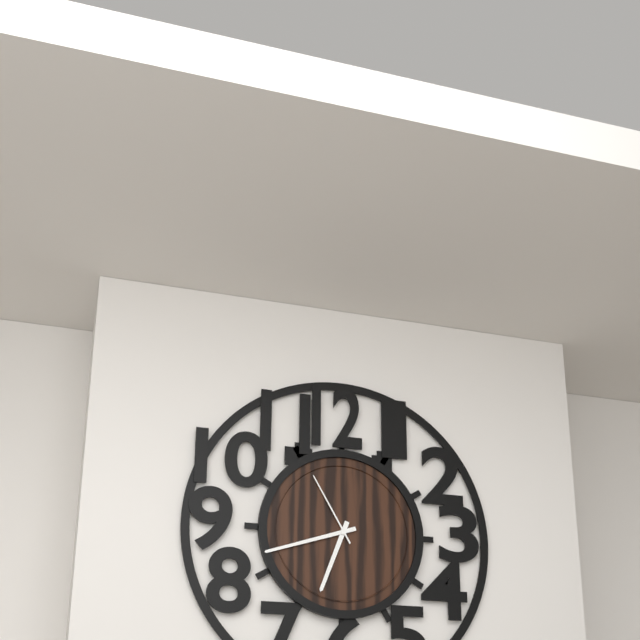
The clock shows h=6 m=42 s=55
